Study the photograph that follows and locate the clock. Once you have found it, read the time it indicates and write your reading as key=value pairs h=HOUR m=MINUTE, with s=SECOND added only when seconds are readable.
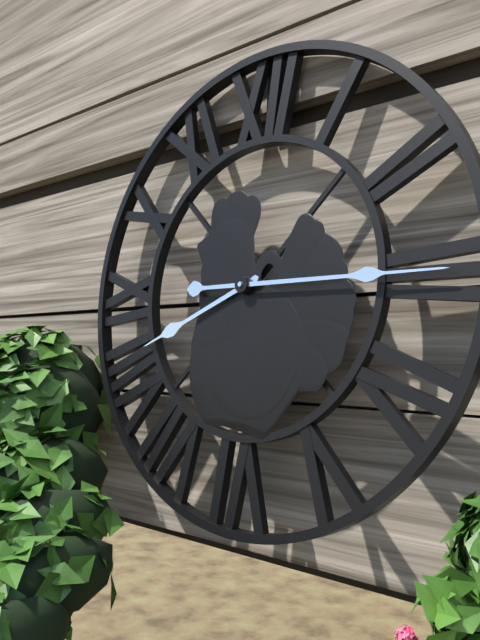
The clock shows h=8 m=15
